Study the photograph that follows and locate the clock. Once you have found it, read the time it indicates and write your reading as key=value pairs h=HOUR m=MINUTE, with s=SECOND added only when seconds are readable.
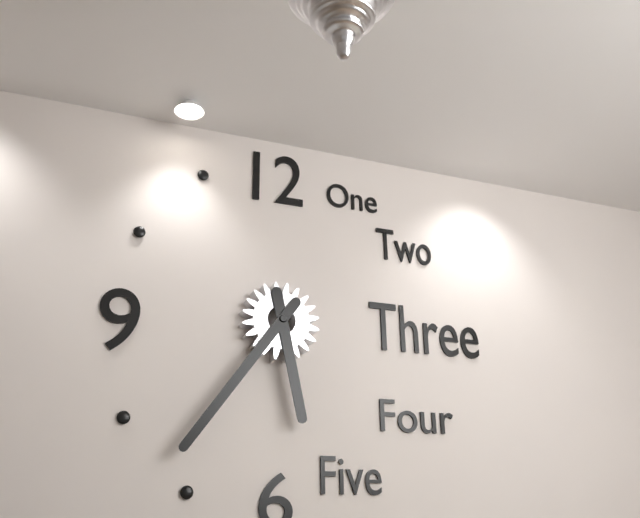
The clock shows h=5 m=36
